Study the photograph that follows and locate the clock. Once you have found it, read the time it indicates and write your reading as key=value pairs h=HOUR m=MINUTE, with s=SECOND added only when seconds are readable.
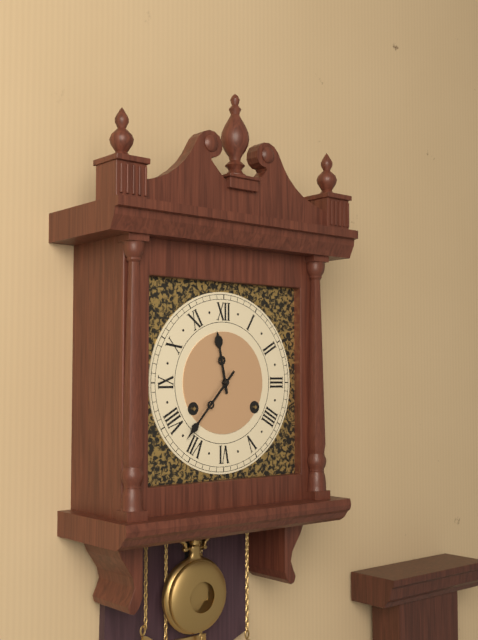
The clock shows h=11 m=37
